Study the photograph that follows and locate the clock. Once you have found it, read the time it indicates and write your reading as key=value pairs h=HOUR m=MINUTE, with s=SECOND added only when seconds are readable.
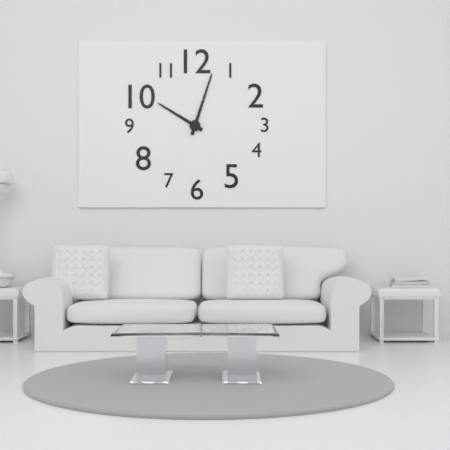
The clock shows h=10 m=3
